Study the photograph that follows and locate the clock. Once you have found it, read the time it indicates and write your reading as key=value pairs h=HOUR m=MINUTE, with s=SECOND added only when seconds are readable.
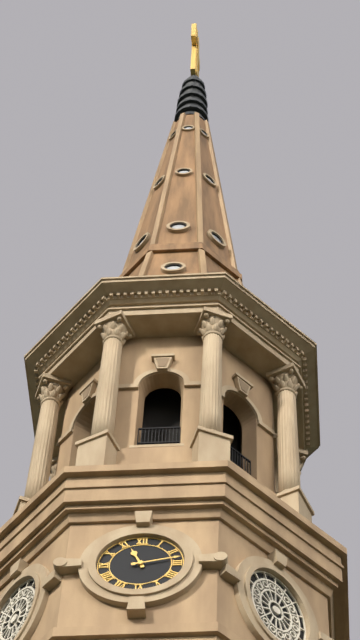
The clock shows h=11 m=13
